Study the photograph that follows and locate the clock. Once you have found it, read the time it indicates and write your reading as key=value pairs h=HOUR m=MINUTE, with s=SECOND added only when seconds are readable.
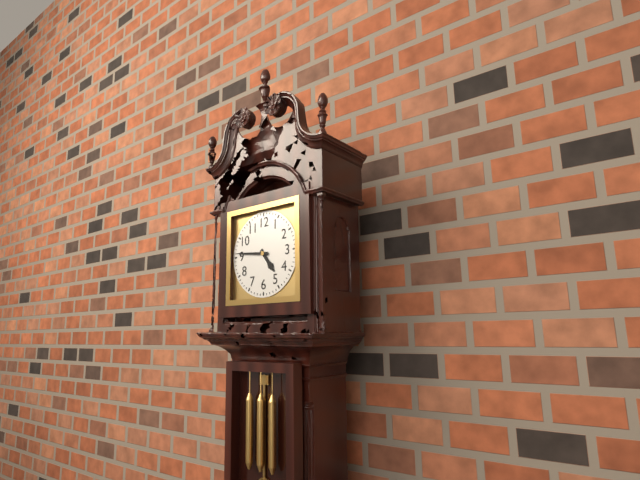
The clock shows h=4 m=46
